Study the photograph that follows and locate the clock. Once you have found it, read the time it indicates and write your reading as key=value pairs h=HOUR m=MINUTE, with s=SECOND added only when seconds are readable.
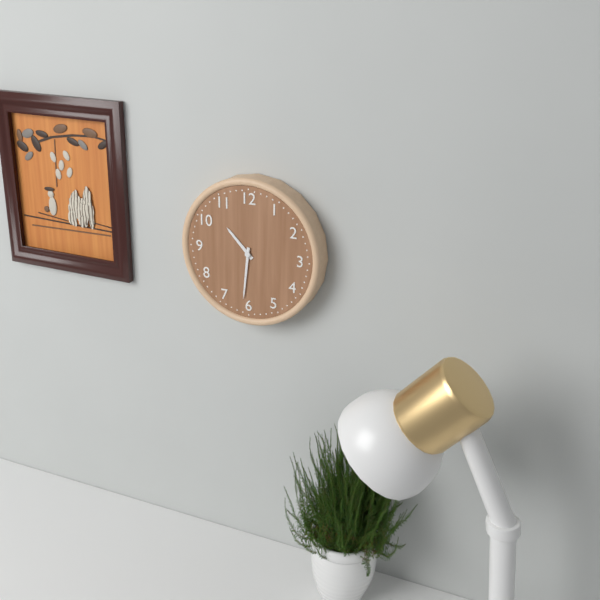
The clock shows h=10 m=31
